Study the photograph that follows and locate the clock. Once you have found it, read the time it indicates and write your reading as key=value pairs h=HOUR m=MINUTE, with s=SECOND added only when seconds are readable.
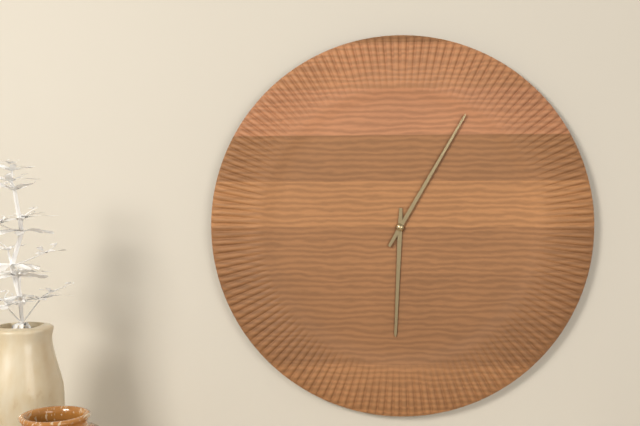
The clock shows h=6 m=5
